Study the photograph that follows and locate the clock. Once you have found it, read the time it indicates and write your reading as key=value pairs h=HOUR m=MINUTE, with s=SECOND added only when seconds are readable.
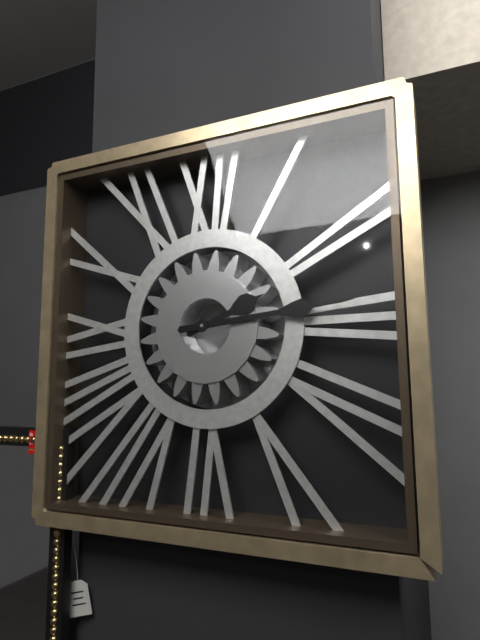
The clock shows h=2 m=14
